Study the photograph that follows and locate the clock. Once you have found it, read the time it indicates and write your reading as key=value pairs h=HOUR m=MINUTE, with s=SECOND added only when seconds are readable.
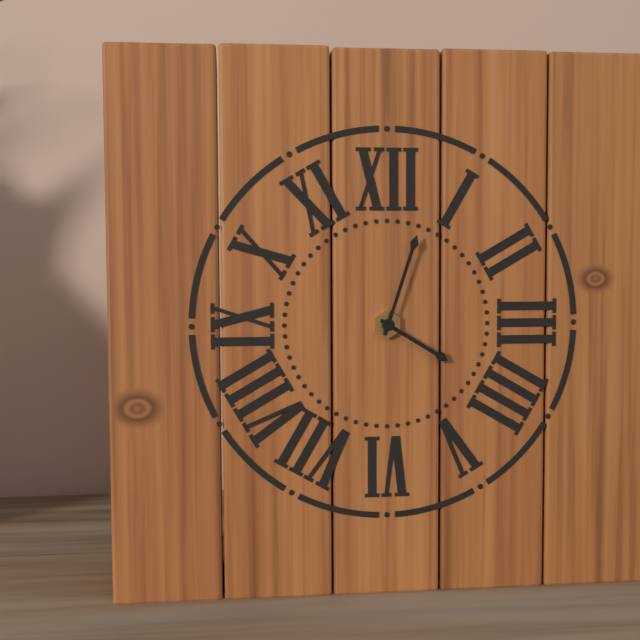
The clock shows h=4 m=3
